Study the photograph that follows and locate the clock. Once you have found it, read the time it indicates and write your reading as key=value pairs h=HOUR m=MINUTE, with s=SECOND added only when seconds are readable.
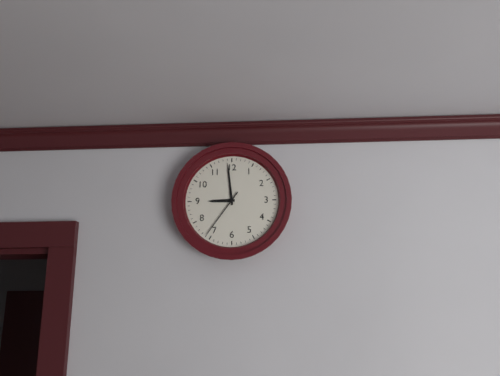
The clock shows h=8 m=59 s=36
